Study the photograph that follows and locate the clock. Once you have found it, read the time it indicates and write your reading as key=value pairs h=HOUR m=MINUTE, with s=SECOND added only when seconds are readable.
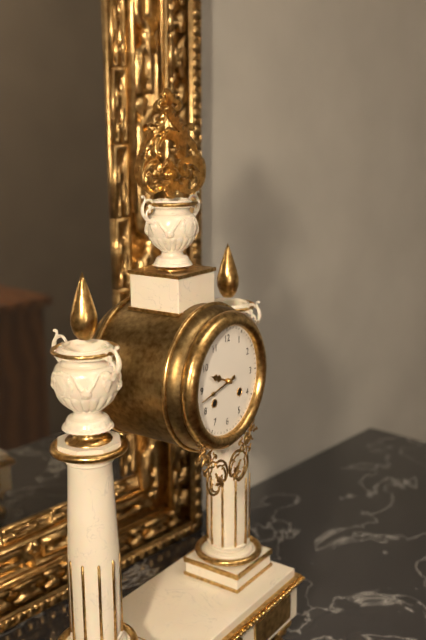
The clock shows h=9 m=43
